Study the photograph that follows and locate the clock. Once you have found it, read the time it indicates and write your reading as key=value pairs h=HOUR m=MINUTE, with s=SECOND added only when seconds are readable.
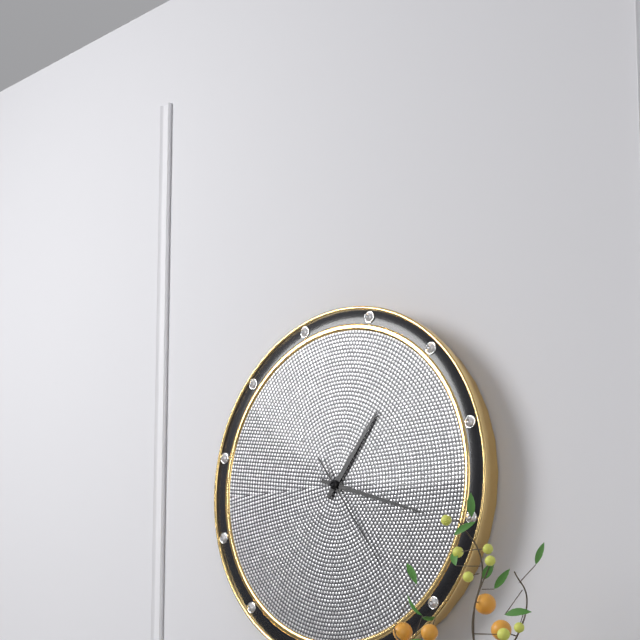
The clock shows h=1 m=18 s=24
